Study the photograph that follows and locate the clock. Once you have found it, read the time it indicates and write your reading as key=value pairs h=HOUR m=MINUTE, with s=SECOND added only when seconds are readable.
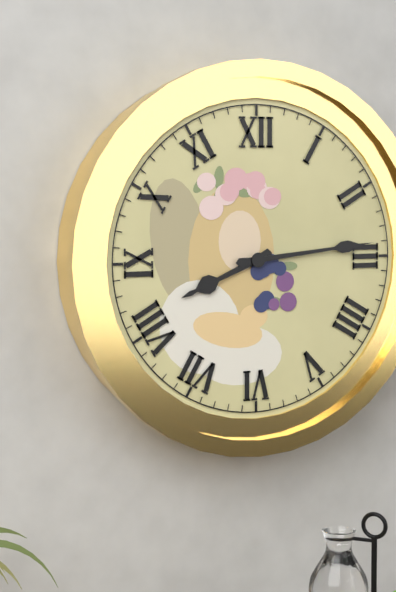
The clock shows h=8 m=14
